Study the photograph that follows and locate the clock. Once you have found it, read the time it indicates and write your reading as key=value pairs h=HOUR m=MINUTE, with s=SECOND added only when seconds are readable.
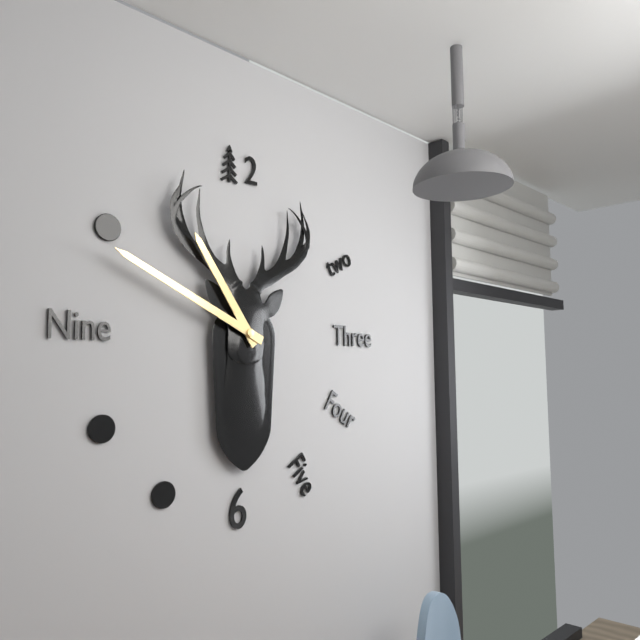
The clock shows h=10 m=49
